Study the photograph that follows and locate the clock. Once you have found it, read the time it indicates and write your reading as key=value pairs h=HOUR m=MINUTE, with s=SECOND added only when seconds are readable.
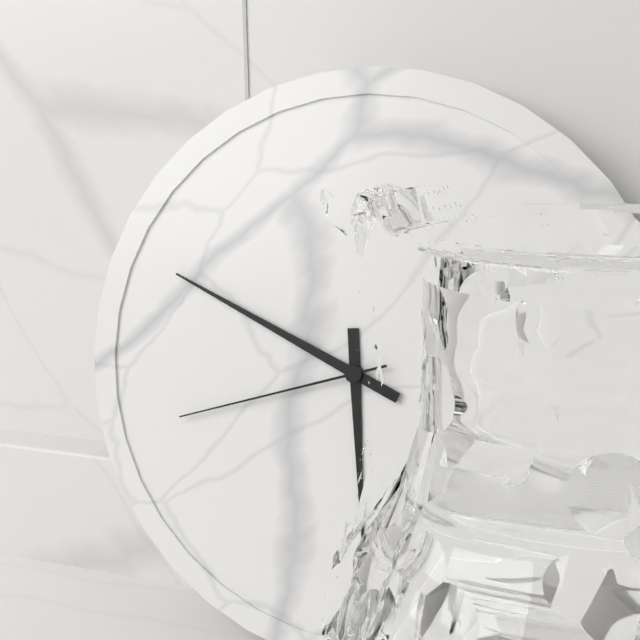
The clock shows h=5 m=49 s=42
